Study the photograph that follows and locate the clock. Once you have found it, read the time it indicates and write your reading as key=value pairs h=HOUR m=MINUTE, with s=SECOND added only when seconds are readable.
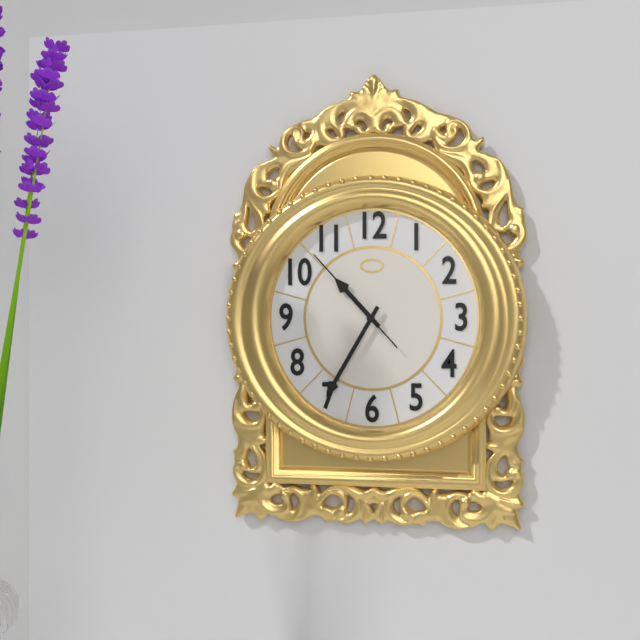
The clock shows h=10 m=35 s=53
